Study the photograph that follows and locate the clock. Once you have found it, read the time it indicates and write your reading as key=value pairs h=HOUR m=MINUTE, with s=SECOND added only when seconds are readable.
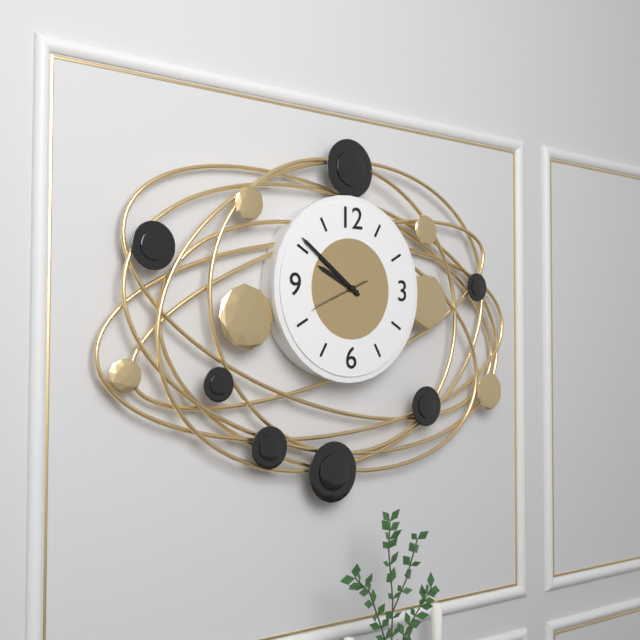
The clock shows h=9 m=51 s=41
